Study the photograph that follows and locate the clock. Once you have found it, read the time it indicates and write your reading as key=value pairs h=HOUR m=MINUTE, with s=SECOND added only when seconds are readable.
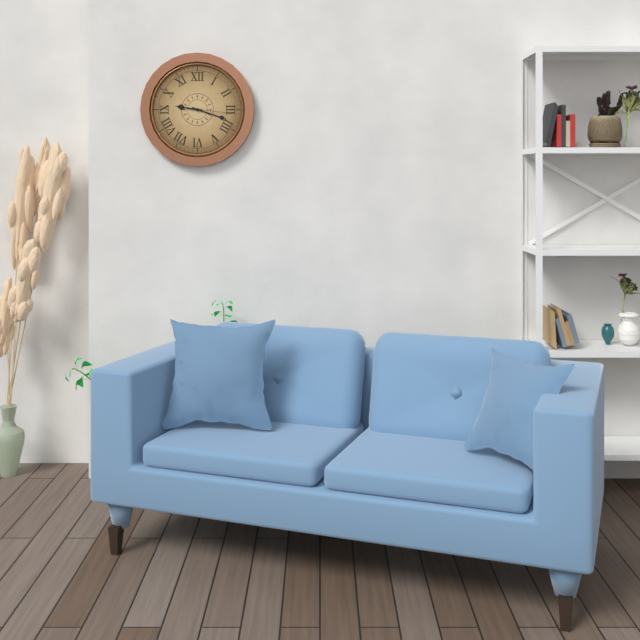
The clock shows h=9 m=18
